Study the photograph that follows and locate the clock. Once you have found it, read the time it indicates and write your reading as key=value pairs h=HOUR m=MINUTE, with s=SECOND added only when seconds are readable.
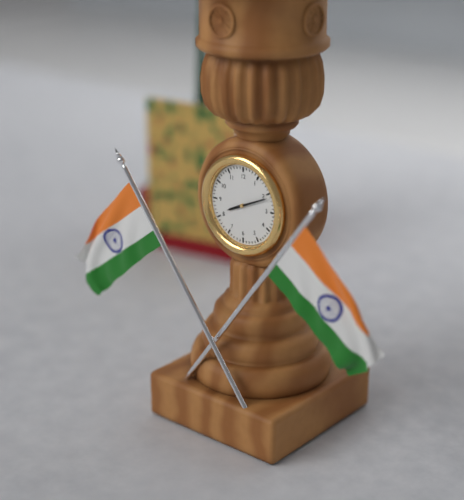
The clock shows h=8 m=11
